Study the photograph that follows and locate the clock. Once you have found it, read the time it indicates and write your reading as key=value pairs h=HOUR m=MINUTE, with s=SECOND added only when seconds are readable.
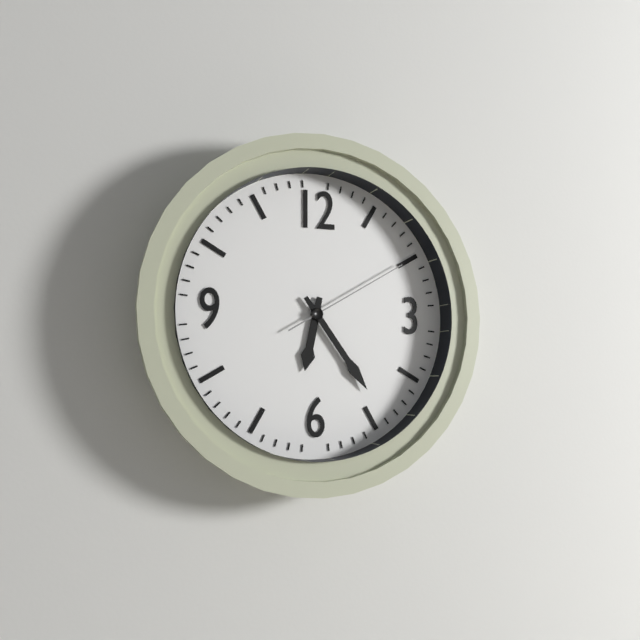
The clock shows h=6 m=24 s=10
